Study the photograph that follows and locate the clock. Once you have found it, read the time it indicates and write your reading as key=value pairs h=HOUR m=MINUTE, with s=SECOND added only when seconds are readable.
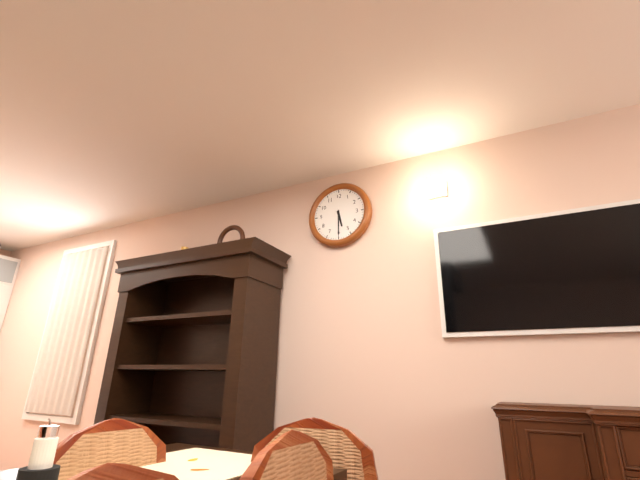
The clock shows h=5 m=30
